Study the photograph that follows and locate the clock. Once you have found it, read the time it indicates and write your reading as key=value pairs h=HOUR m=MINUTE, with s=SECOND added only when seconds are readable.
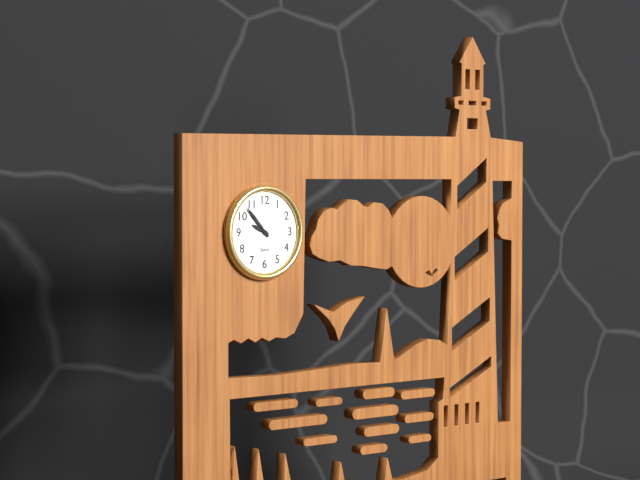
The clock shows h=9 m=53
